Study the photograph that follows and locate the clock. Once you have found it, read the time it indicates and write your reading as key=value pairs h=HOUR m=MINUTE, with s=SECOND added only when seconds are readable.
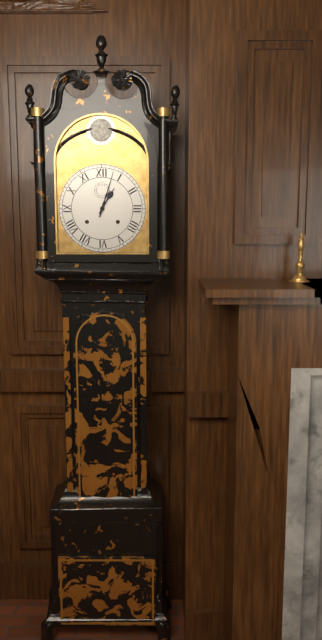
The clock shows h=1 m=3
